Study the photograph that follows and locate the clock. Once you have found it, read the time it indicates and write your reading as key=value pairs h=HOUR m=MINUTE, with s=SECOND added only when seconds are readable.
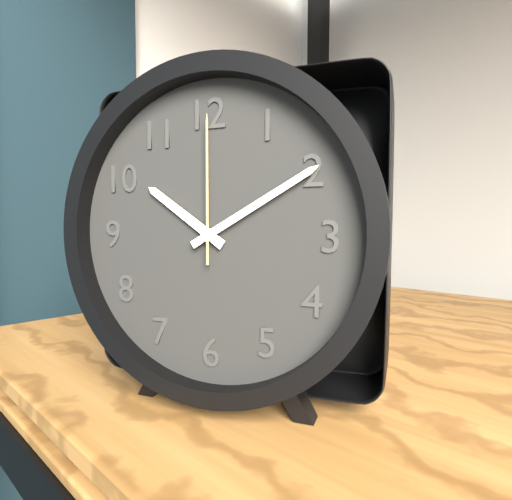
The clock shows h=10 m=10 s=0
